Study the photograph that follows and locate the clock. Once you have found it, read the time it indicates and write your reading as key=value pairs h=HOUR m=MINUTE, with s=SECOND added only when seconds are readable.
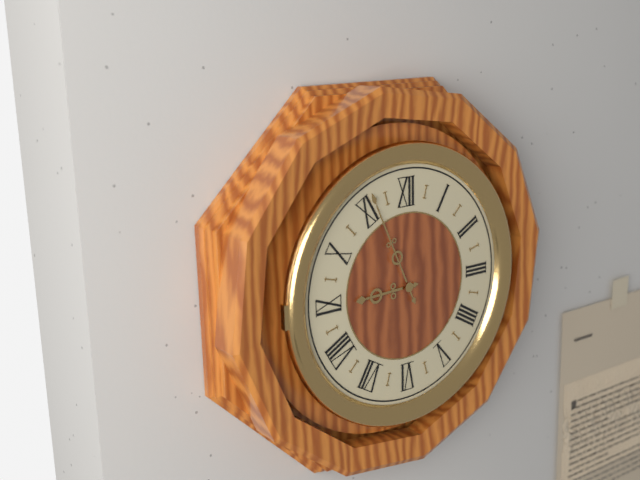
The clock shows h=8 m=56
